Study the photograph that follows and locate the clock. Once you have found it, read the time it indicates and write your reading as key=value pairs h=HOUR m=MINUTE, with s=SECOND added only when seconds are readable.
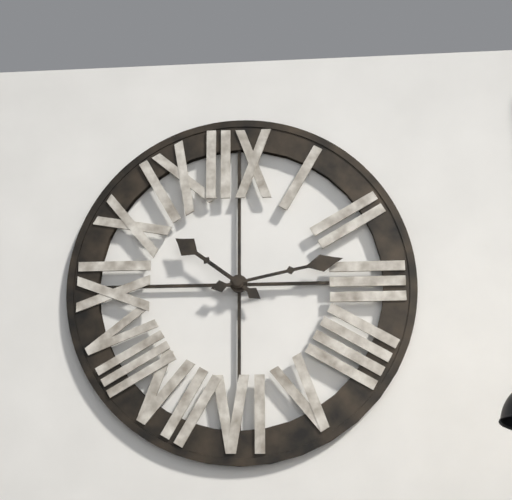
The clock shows h=10 m=13
